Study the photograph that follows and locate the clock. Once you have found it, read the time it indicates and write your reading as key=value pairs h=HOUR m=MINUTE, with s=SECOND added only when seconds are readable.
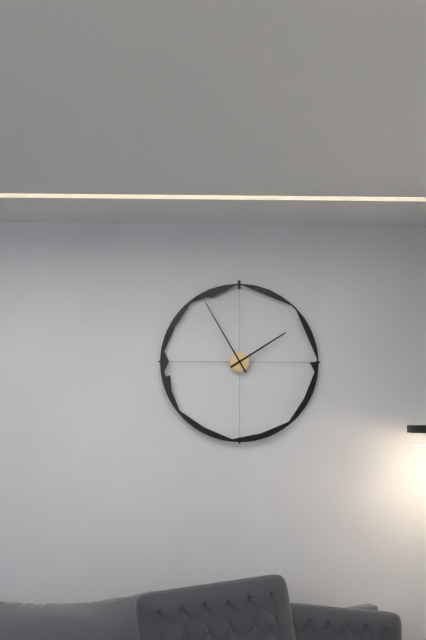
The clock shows h=1 m=55
